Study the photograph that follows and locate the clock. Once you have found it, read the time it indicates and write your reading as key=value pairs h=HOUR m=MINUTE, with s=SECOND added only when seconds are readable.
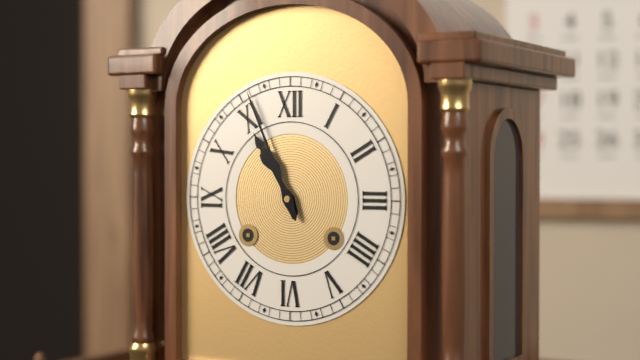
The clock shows h=10 m=56
